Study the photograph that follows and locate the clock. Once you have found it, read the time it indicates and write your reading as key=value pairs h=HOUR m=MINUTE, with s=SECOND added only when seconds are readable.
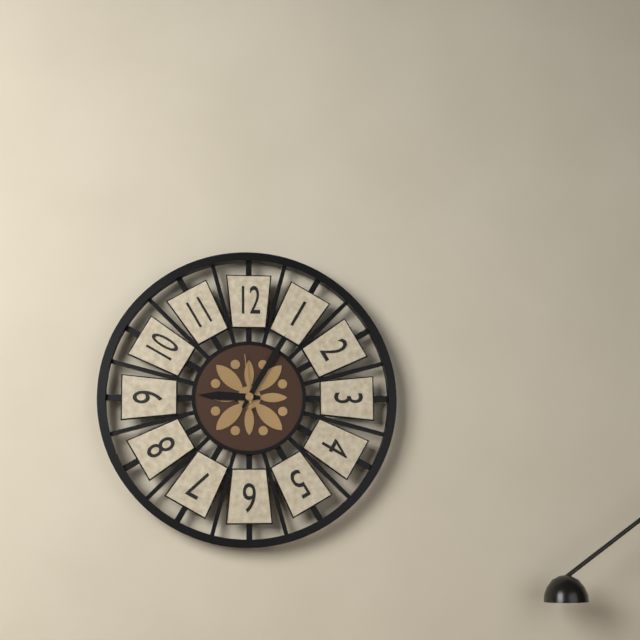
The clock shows h=9 m=5 s=59
